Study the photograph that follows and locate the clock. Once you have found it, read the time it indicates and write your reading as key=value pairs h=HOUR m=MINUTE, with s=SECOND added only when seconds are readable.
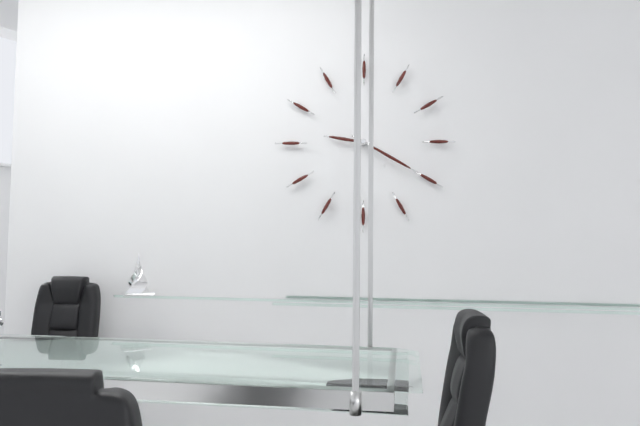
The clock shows h=9 m=20
